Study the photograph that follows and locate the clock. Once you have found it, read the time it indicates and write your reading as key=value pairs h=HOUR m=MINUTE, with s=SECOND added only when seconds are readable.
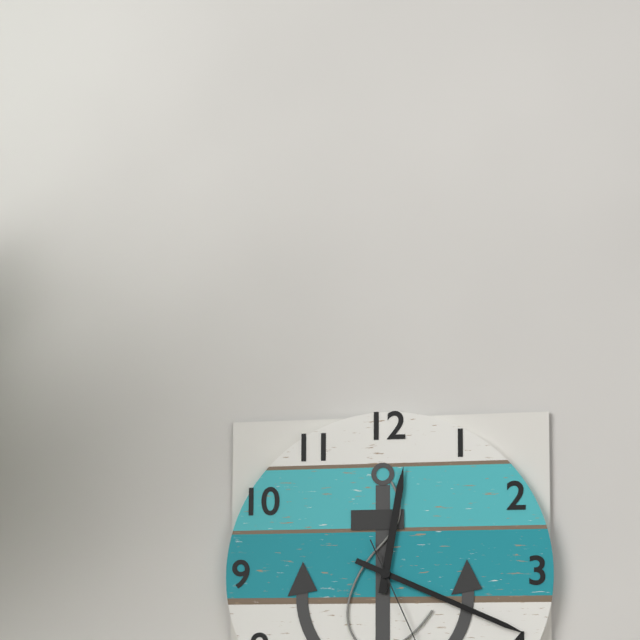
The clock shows h=12 m=19
